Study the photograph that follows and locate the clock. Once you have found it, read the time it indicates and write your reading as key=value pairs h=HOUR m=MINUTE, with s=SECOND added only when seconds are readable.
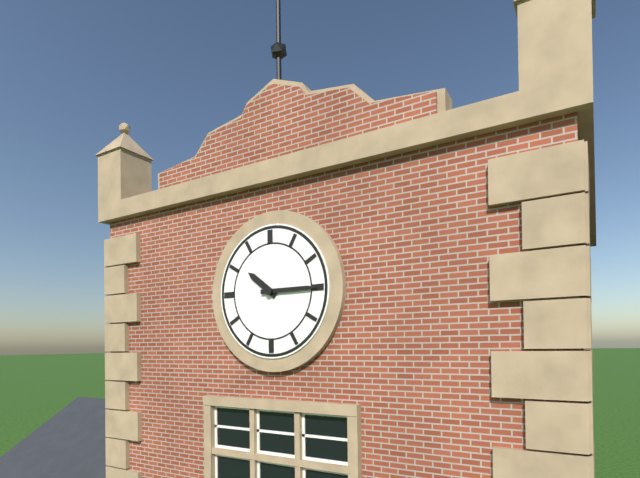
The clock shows h=10 m=15
